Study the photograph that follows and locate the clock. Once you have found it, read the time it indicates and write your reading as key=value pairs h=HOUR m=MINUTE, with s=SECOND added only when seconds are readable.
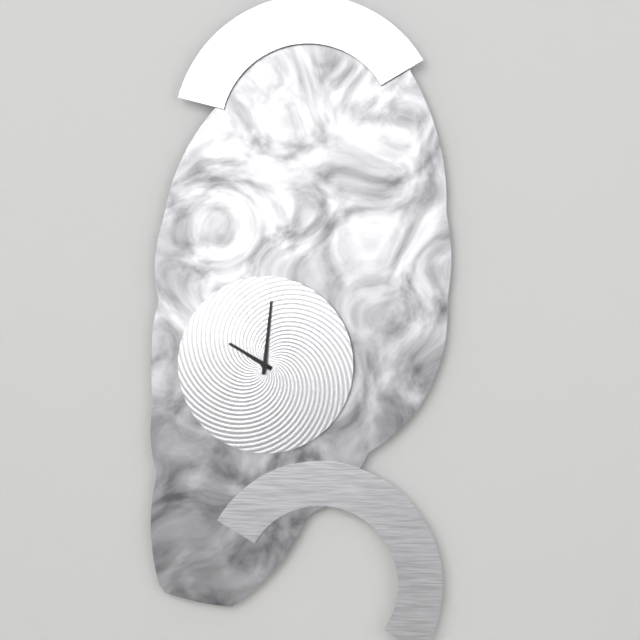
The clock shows h=10 m=1
